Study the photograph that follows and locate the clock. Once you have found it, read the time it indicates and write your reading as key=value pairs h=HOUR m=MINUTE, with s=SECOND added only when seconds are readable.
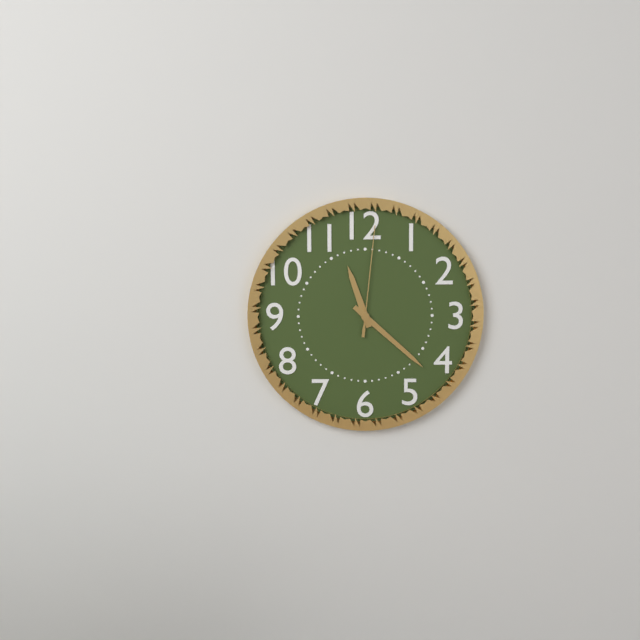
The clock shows h=11 m=22 s=1
